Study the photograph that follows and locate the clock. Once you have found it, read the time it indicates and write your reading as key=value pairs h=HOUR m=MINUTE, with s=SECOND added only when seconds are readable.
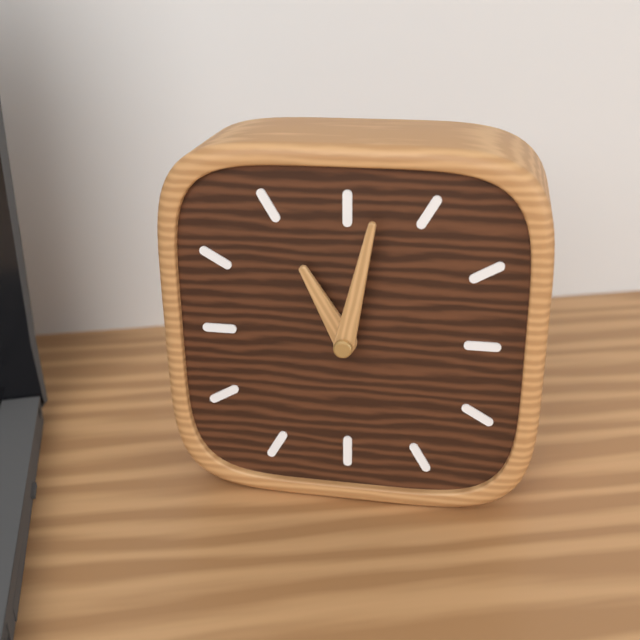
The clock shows h=11 m=2
